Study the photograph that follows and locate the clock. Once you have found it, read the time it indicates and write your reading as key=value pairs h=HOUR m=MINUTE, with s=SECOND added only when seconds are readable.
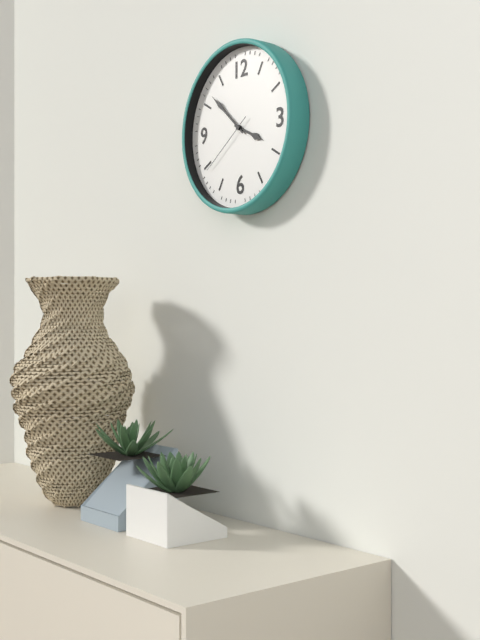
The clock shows h=3 m=52 s=39
